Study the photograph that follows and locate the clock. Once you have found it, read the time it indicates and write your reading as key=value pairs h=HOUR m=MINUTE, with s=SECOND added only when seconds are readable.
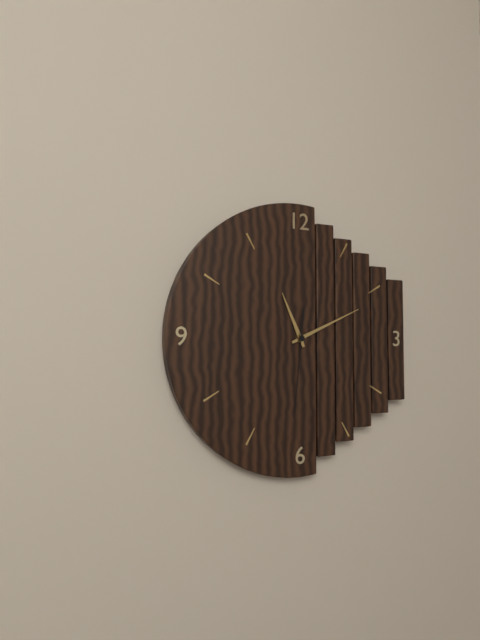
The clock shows h=11 m=11 s=31
